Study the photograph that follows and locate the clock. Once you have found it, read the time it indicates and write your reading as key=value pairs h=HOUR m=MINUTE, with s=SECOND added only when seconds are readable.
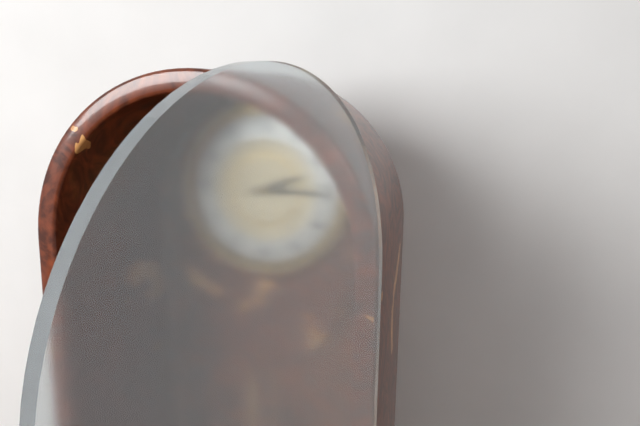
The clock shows h=2 m=15
